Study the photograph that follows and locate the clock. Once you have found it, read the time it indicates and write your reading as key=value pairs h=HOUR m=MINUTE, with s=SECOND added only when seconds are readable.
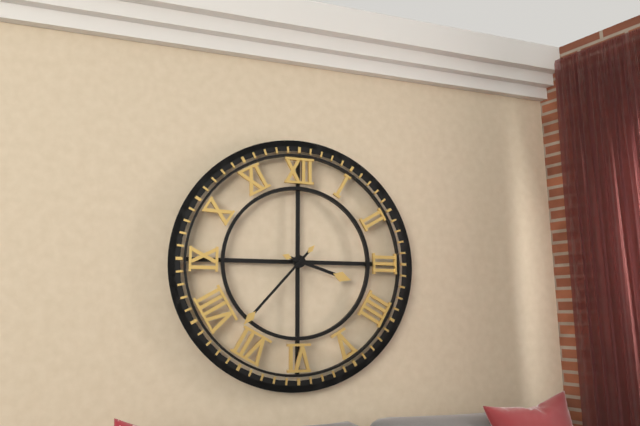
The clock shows h=3 m=37
